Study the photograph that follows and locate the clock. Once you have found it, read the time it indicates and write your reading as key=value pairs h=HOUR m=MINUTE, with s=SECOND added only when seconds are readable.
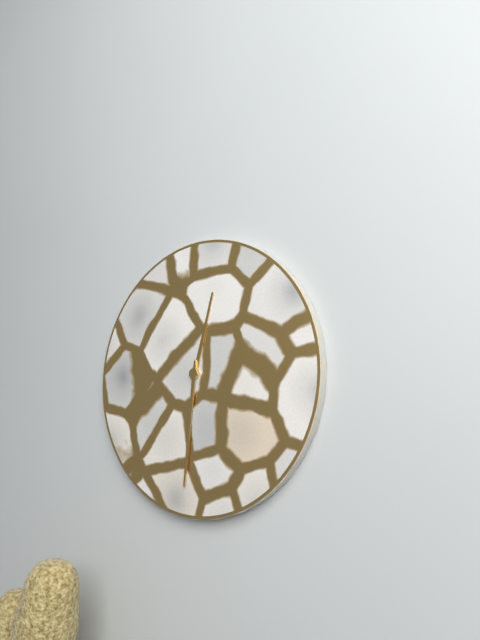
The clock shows h=12 m=31
